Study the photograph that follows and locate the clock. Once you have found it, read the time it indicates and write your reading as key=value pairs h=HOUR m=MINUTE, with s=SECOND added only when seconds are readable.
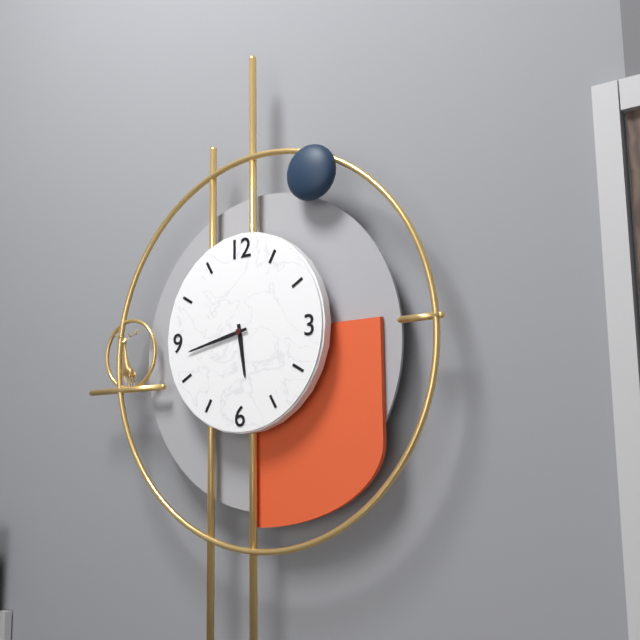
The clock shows h=5 m=43
